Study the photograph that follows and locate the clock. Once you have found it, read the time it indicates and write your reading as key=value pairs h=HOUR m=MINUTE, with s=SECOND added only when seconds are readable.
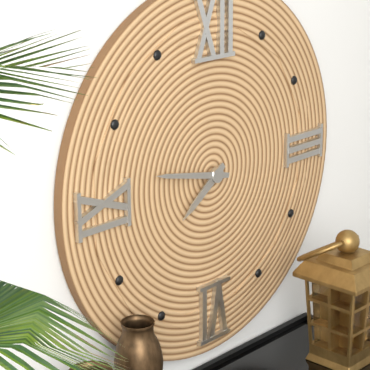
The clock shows h=7 m=47
